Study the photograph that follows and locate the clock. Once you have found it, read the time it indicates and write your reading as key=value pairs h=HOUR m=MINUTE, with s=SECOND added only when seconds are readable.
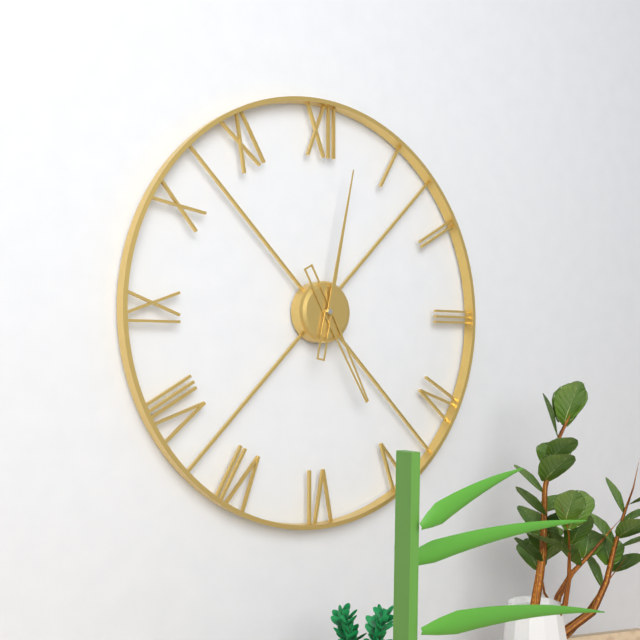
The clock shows h=5 m=2
